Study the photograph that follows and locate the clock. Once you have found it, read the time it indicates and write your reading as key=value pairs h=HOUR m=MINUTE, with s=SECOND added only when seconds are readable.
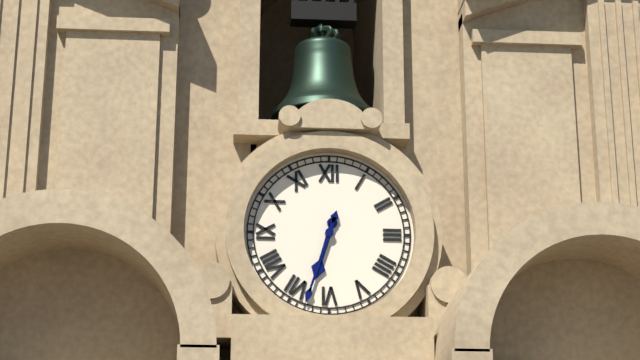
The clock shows h=6 m=33
